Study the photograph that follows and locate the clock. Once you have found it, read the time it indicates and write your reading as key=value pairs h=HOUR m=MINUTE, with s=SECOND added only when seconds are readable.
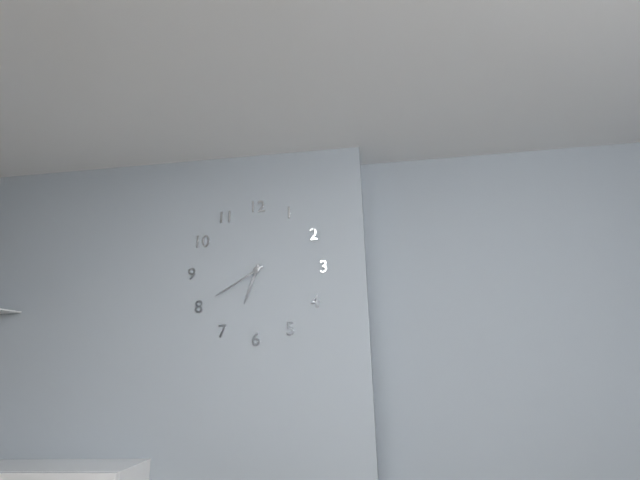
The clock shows h=6 m=40
